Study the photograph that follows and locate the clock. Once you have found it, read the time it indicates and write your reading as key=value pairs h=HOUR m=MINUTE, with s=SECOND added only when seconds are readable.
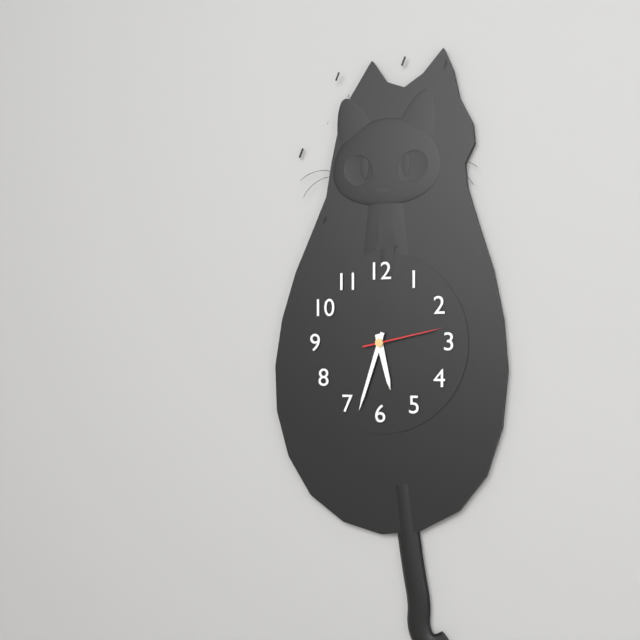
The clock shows h=5 m=33 s=13
